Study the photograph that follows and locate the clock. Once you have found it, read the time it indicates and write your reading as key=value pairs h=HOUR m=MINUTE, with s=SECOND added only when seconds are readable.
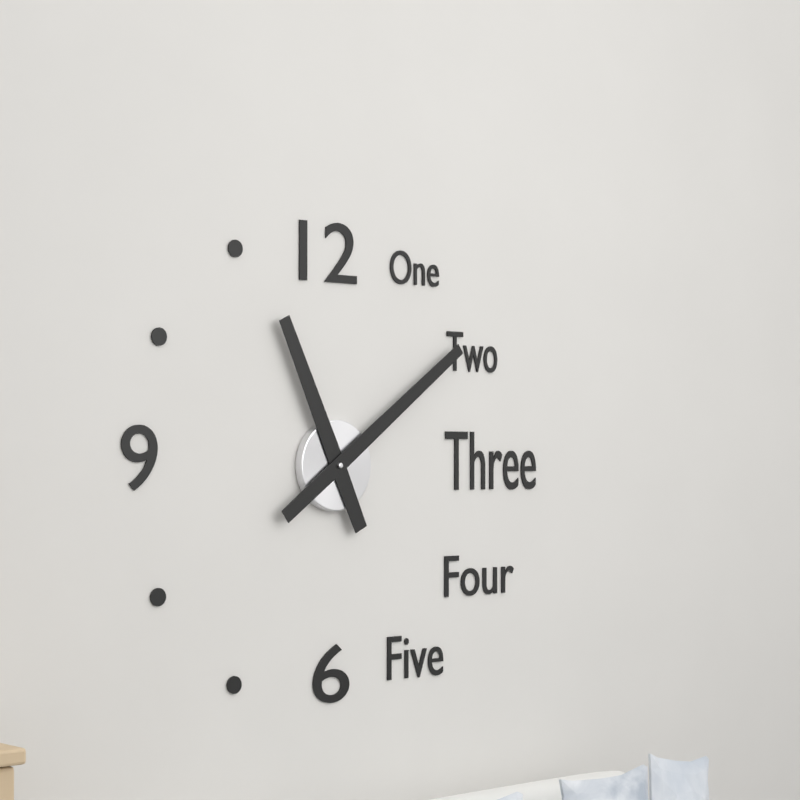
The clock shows h=11 m=9
